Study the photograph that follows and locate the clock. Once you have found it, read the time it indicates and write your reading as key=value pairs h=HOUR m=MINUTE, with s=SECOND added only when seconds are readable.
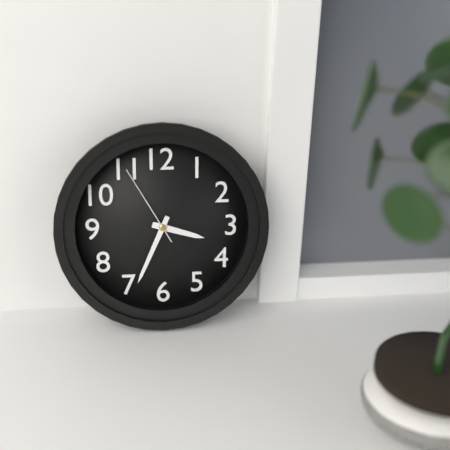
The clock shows h=3 m=34 s=55
